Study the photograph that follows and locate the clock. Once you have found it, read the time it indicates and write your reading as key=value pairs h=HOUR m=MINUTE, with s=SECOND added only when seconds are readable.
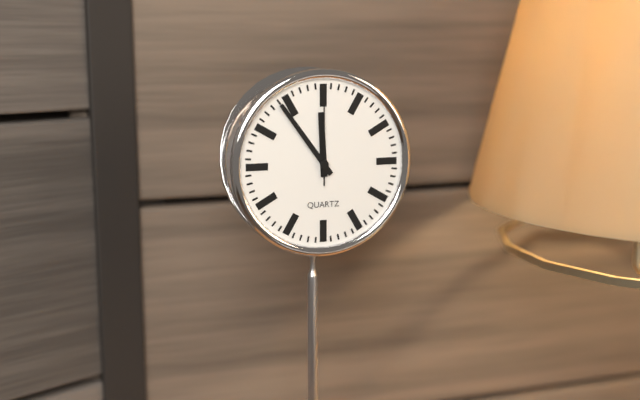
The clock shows h=11 m=54 s=0
